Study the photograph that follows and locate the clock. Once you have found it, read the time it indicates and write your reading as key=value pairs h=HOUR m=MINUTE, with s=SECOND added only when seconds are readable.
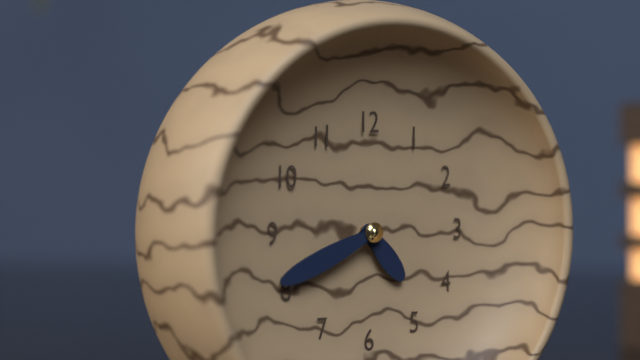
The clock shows h=4 m=41
